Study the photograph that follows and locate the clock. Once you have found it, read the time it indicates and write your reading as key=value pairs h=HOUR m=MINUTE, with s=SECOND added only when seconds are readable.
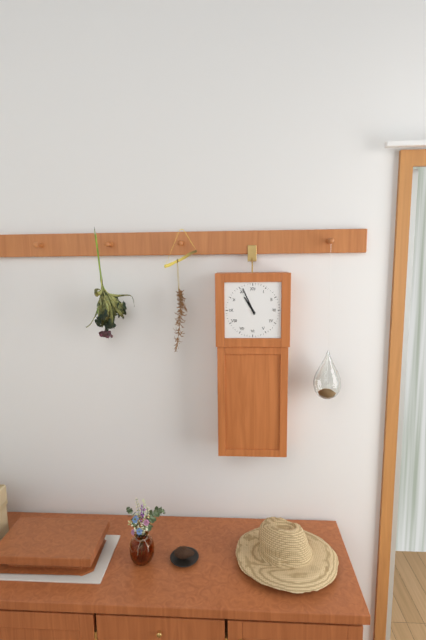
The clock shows h=10 m=56
